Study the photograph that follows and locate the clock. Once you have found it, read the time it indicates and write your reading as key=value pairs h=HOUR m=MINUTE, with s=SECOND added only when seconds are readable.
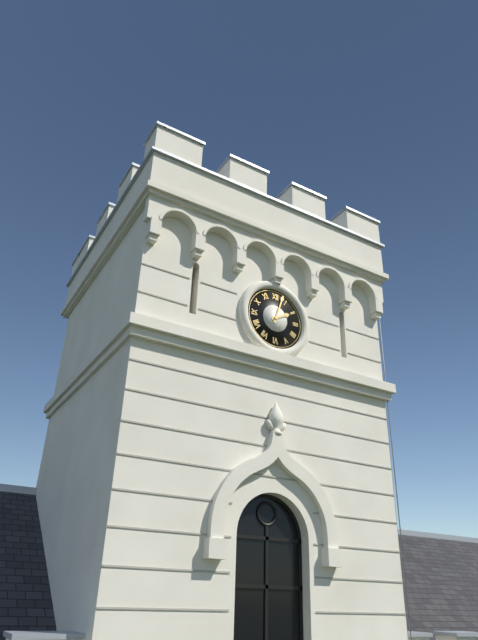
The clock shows h=2 m=3
